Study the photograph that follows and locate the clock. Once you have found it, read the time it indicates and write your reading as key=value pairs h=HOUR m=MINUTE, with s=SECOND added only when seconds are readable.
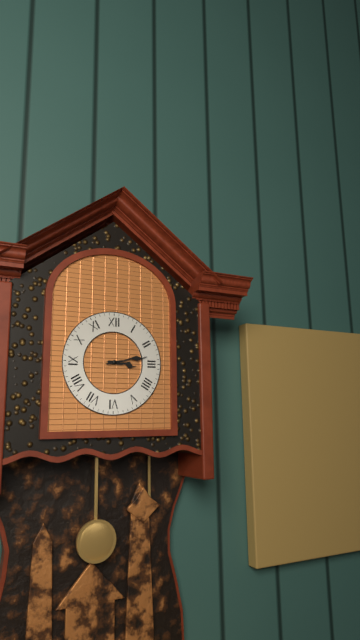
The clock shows h=3 m=13
